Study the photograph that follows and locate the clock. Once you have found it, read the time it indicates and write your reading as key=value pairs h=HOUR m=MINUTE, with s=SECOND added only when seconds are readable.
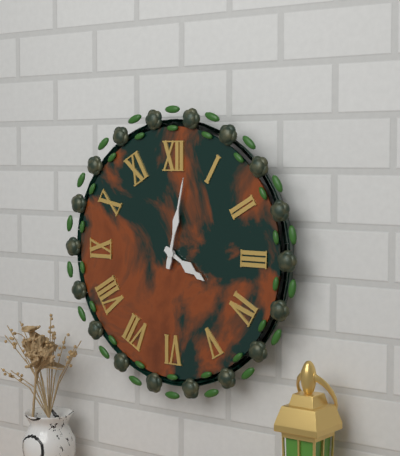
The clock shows h=4 m=2
